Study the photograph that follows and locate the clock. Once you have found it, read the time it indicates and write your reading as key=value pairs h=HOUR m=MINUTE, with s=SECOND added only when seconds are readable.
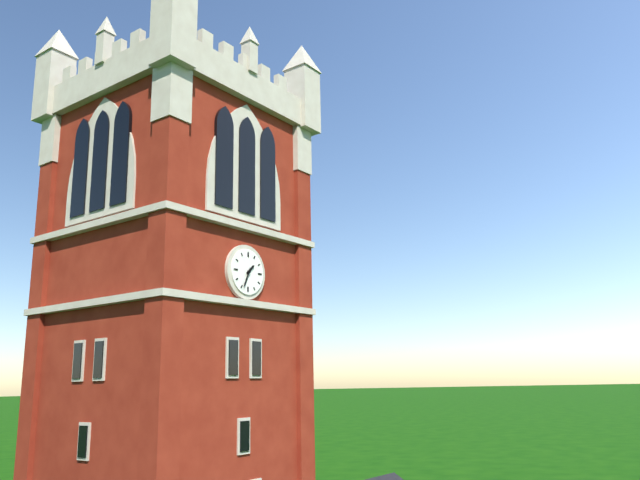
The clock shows h=1 m=34
